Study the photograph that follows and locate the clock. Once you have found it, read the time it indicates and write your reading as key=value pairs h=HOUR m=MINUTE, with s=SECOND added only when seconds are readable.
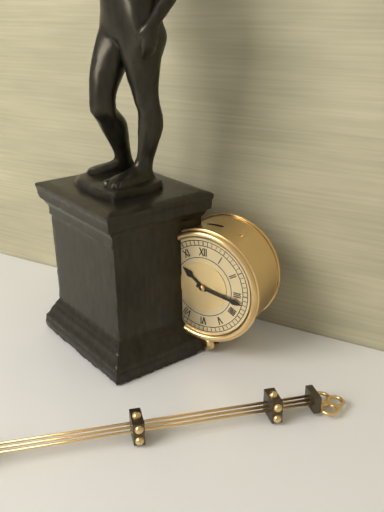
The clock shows h=10 m=17
